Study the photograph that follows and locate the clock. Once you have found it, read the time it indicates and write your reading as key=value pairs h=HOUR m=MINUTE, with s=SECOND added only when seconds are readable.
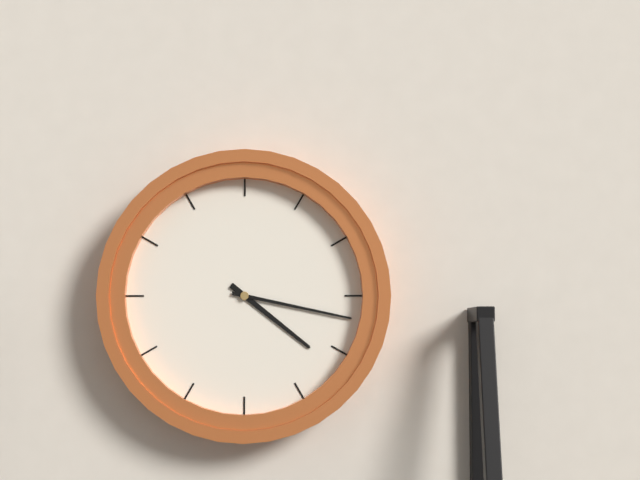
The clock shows h=4 m=17
